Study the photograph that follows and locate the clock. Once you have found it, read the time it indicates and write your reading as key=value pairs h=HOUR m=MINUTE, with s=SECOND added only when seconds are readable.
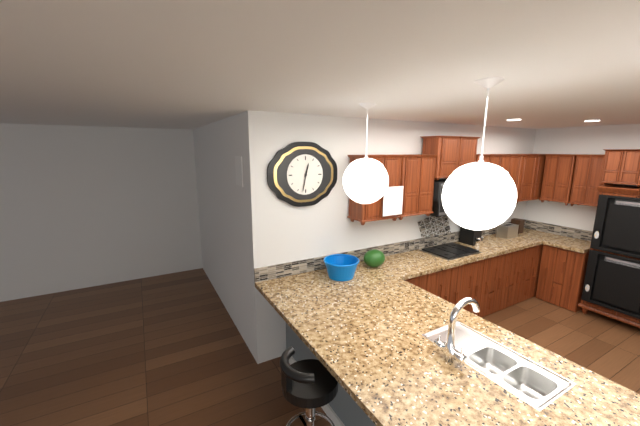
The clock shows h=12 m=32
